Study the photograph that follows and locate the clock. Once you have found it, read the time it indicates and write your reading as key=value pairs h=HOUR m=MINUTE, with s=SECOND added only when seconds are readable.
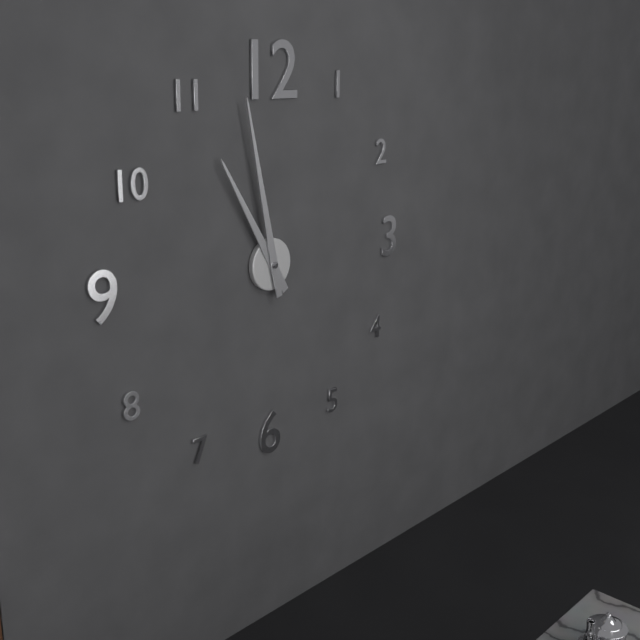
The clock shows h=10 m=58
